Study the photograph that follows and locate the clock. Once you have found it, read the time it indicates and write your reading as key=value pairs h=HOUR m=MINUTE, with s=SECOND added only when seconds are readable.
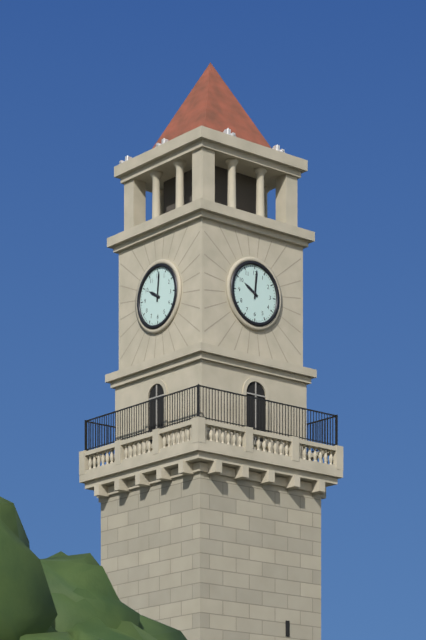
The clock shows h=10 m=1
